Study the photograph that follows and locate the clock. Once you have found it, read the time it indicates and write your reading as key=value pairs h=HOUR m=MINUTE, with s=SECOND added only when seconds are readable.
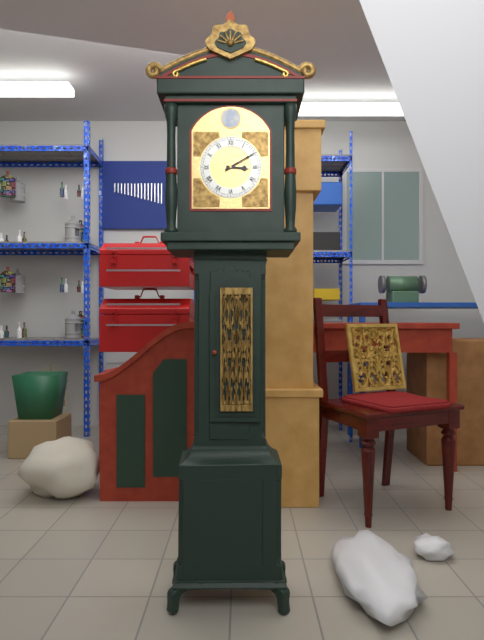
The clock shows h=3 m=10
